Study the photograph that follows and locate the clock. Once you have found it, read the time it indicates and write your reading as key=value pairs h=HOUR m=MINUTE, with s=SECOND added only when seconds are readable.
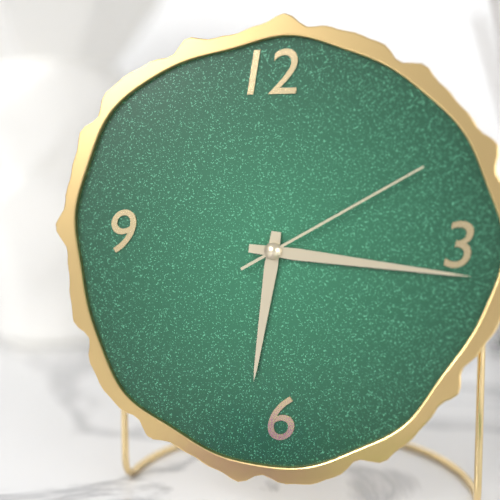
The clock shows h=6 m=16 s=10
